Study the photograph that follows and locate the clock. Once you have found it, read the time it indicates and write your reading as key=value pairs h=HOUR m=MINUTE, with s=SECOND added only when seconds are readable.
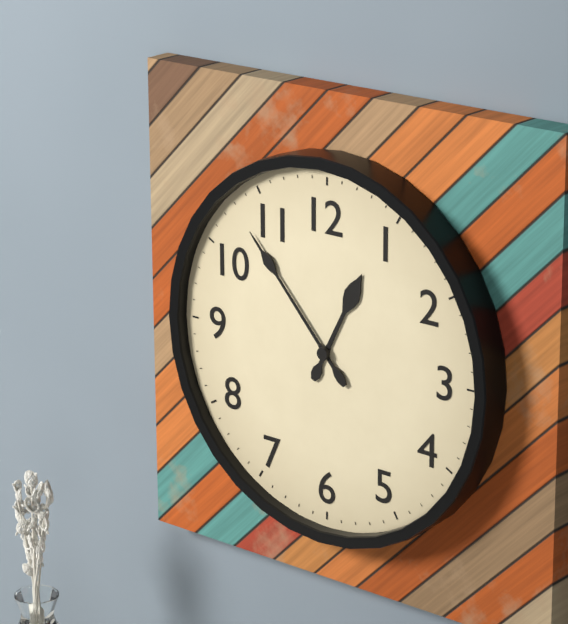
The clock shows h=12 m=53
